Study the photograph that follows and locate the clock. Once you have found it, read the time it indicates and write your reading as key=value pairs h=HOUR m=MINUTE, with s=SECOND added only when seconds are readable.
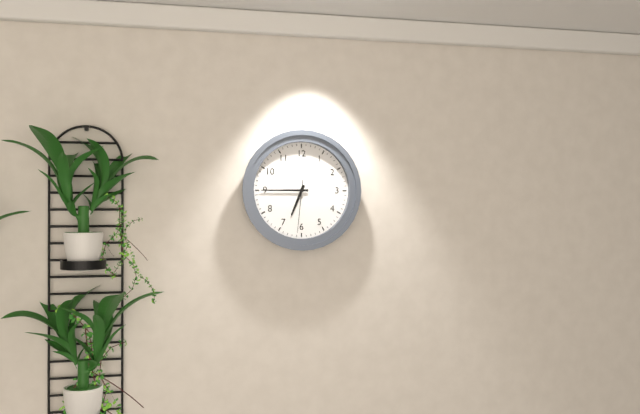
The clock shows h=6 m=45 s=31
